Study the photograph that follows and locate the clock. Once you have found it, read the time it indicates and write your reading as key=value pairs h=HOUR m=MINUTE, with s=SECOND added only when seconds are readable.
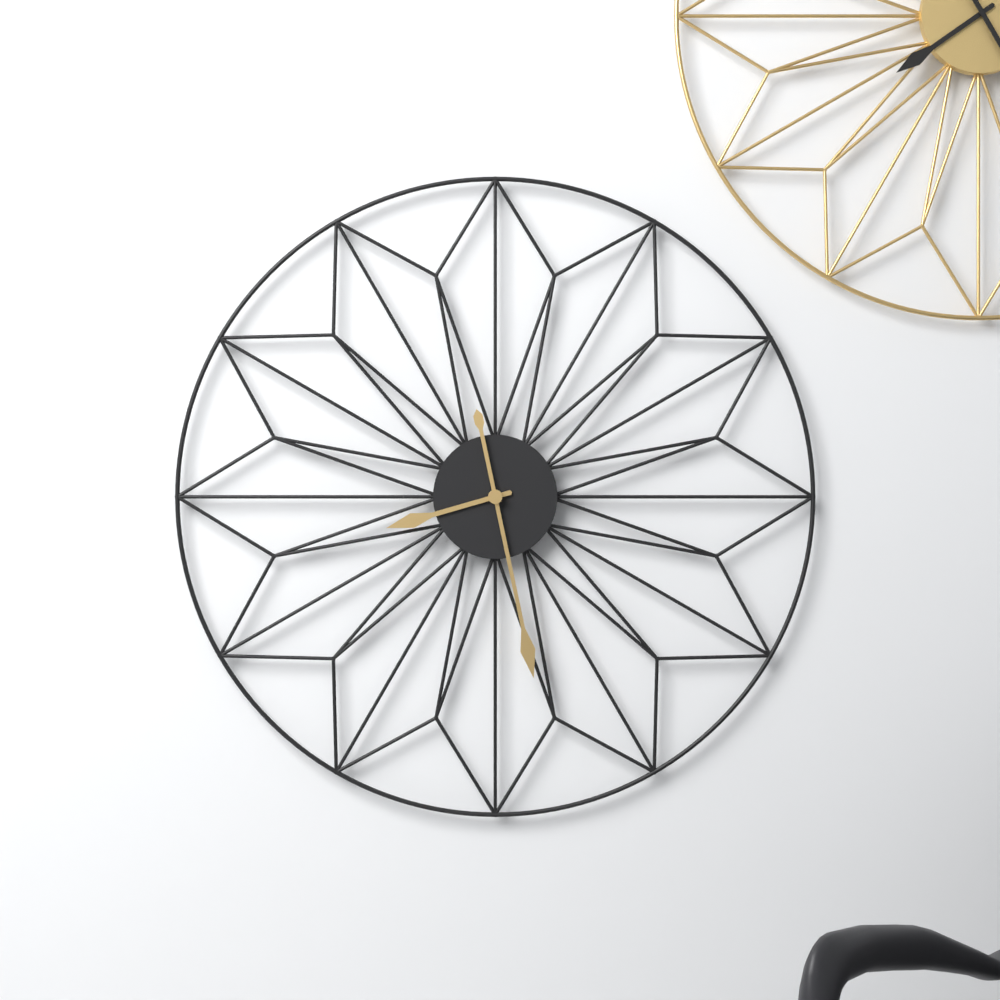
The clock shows h=8 m=28
